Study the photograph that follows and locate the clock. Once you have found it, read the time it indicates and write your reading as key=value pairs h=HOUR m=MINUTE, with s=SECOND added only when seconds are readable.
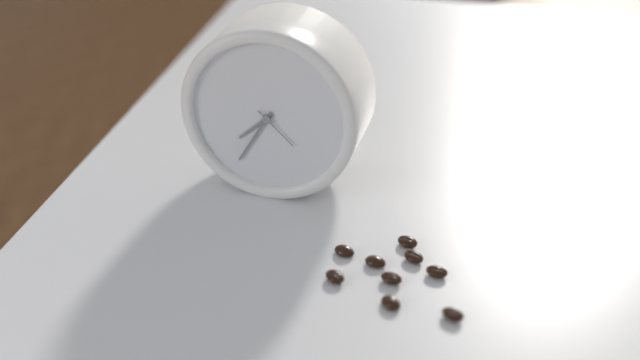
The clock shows h=7 m=35
